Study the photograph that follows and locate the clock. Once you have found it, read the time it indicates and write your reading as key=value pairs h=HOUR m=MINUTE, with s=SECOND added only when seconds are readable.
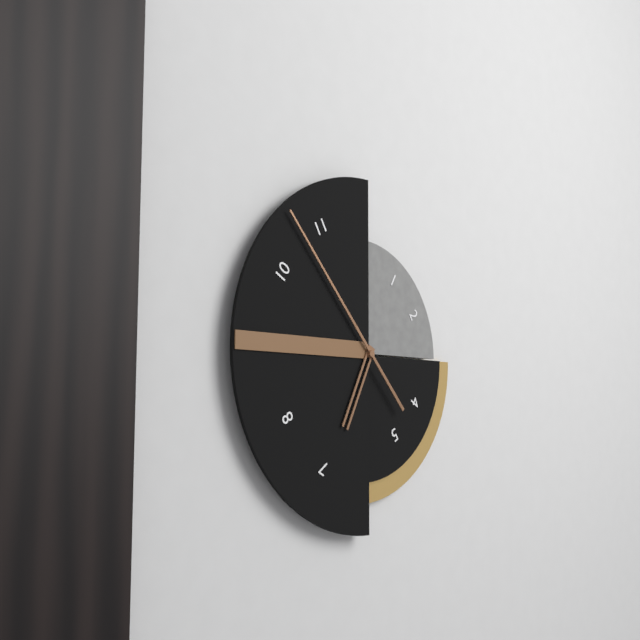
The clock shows h=6 m=53
